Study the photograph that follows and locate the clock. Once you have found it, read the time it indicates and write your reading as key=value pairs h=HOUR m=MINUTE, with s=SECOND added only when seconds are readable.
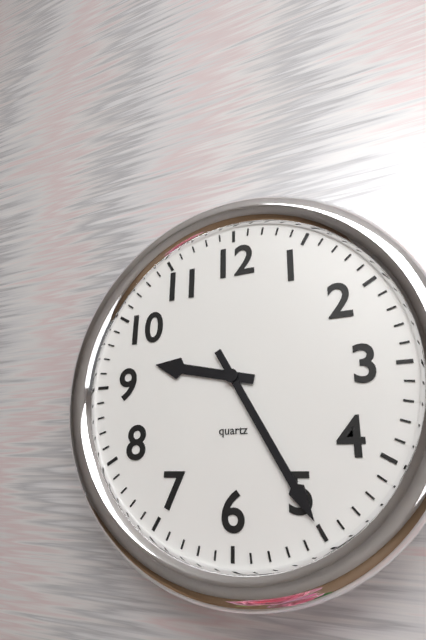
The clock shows h=9 m=25
